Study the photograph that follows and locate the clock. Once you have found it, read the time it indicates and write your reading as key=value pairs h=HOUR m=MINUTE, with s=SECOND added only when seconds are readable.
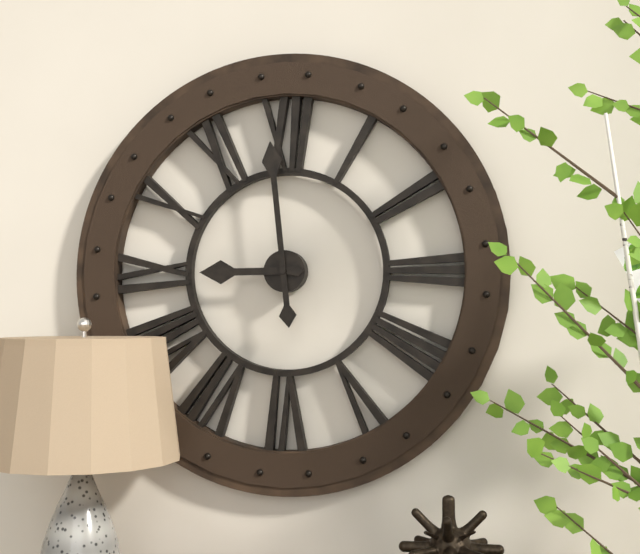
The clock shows h=8 m=59
